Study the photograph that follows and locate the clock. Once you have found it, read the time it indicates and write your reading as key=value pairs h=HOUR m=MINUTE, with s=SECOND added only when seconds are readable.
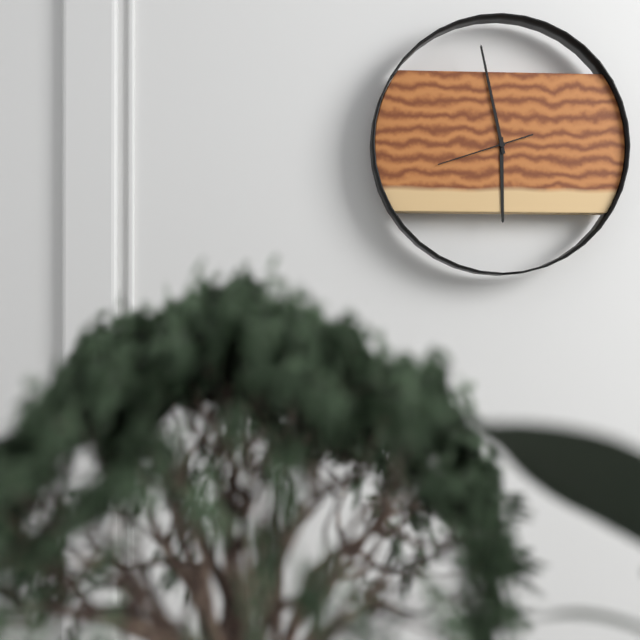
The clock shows h=5 m=58 s=42
